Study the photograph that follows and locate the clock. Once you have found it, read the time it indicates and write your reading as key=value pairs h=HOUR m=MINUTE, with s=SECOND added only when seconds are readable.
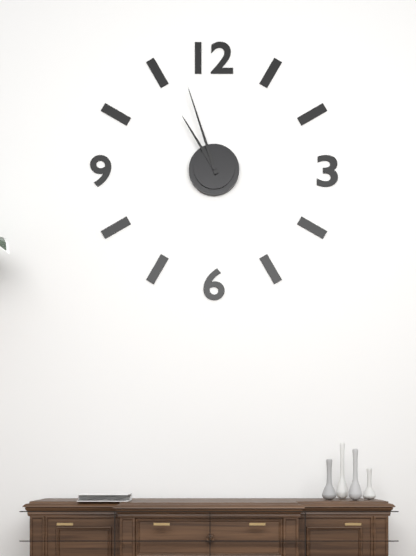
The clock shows h=10 m=57
